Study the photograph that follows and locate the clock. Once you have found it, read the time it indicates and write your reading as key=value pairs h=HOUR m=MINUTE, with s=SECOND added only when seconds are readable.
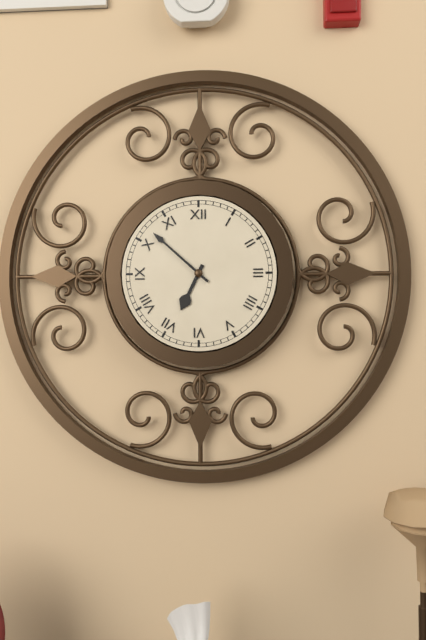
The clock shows h=6 m=52
